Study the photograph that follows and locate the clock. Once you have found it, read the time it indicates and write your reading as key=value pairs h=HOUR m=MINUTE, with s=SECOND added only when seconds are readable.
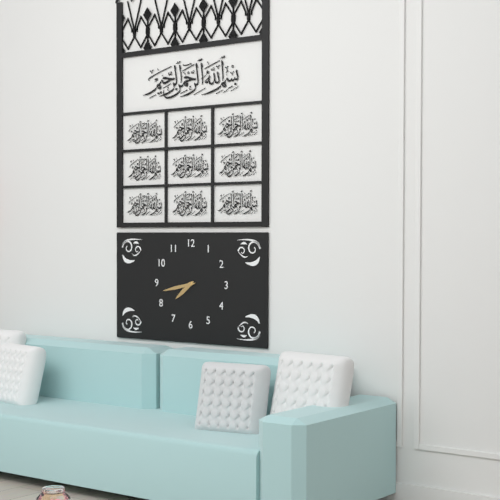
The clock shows h=7 m=43
